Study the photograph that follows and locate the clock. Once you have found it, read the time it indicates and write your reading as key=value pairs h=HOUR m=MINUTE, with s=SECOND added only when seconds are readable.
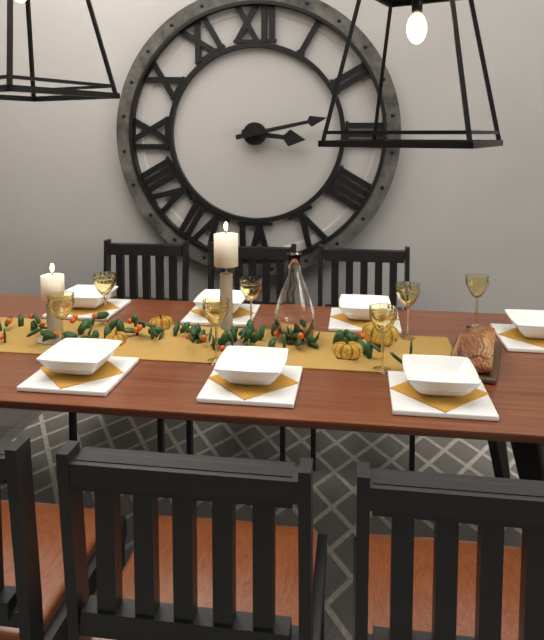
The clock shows h=3 m=13
